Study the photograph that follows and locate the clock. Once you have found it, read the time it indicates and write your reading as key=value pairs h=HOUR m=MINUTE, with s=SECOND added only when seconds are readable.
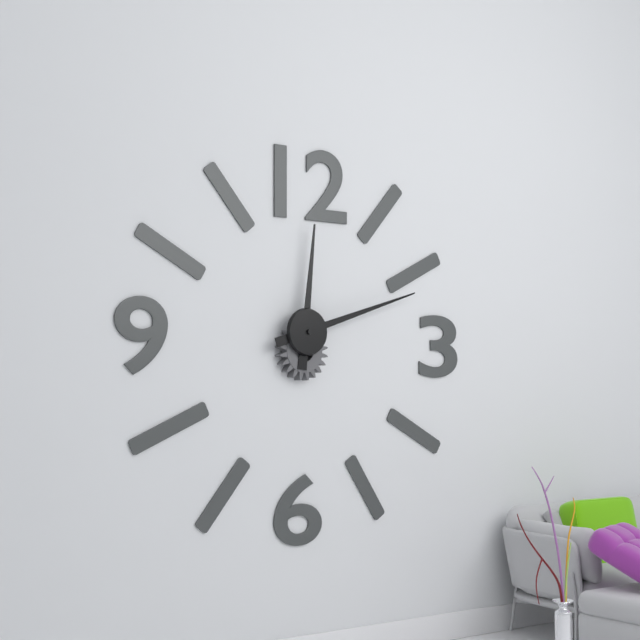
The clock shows h=12 m=12
